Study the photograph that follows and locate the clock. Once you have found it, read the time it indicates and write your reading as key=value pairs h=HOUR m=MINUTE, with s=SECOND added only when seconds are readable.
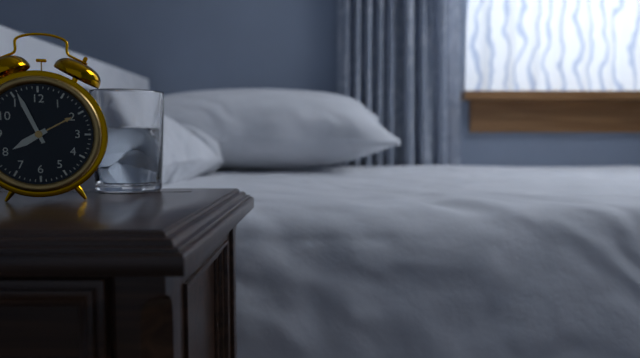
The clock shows h=7 m=56
